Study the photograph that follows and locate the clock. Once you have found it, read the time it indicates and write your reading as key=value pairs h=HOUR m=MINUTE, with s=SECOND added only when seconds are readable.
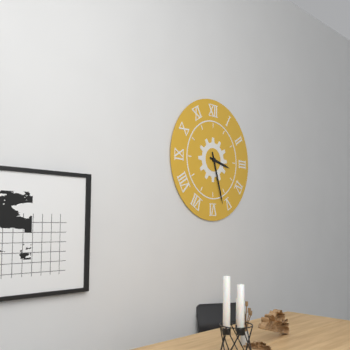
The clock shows h=3 m=27
